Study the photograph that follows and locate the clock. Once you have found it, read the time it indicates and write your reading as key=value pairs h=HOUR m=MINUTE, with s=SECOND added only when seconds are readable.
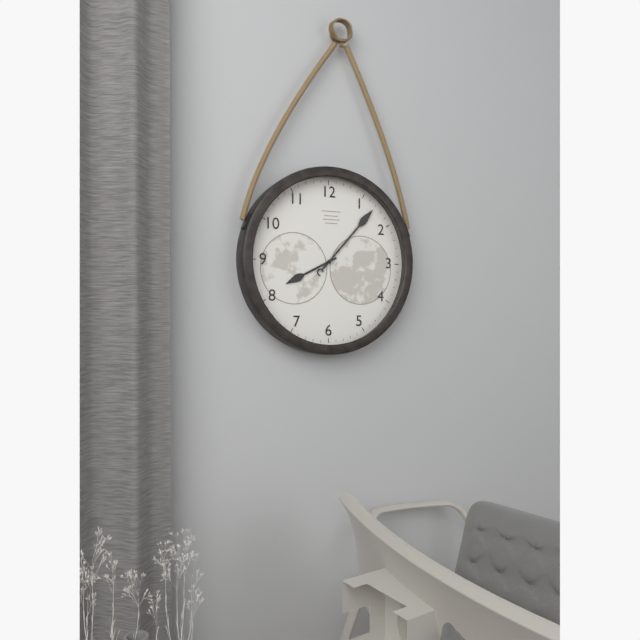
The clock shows h=8 m=7
